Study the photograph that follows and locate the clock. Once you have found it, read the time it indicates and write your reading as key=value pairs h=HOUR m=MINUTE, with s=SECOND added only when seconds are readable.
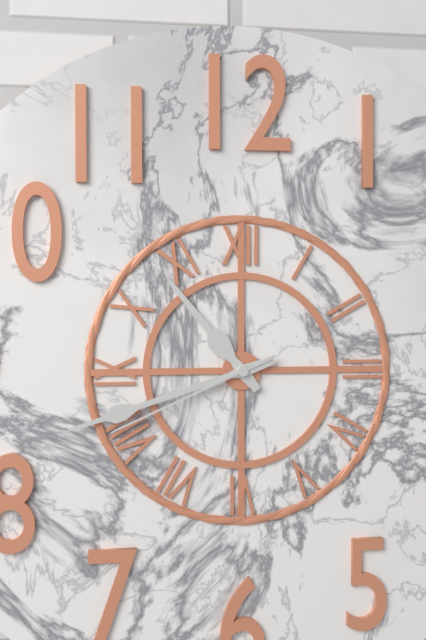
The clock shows h=10 m=42 s=41
